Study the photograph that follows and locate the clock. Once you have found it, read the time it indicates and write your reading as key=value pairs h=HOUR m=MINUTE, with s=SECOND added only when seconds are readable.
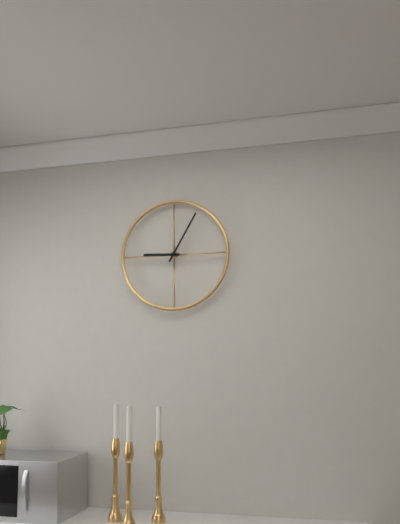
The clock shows h=9 m=5
